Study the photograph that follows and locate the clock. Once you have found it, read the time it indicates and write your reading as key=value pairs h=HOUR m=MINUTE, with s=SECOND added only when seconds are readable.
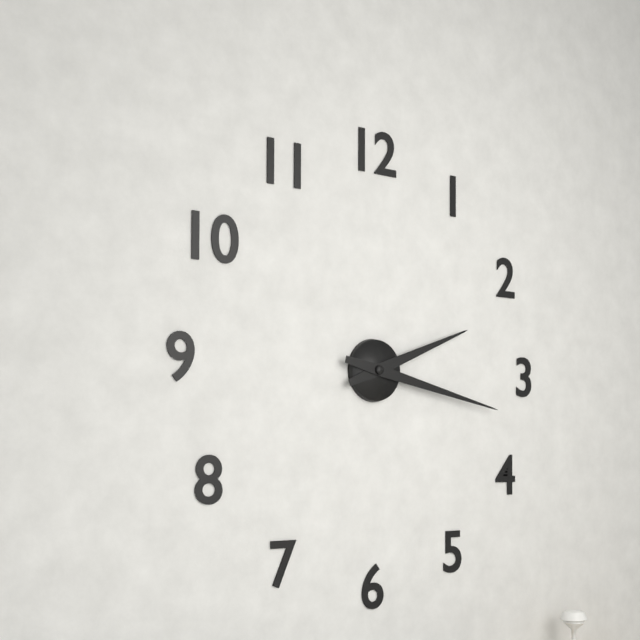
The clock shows h=2 m=17
